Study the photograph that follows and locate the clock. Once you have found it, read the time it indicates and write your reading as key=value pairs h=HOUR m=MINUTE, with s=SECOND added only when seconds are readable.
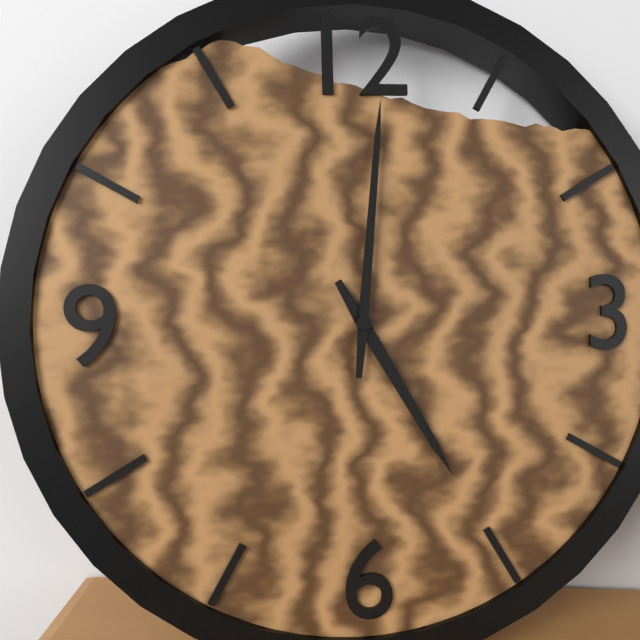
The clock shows h=5 m=1
